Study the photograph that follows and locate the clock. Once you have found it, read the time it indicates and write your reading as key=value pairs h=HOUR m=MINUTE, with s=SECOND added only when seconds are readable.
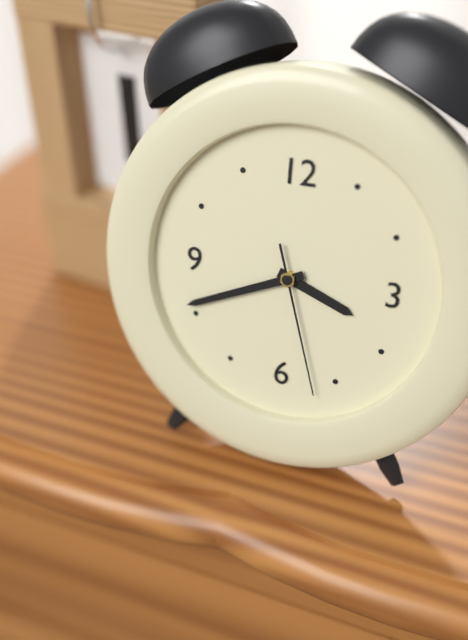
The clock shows h=3 m=41 s=27
